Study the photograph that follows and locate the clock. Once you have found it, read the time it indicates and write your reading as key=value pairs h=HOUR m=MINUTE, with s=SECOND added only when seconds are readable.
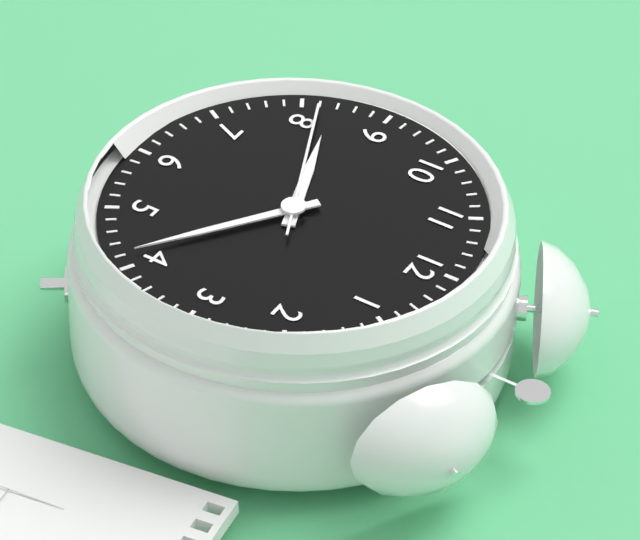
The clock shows h=8 m=21 s=41
